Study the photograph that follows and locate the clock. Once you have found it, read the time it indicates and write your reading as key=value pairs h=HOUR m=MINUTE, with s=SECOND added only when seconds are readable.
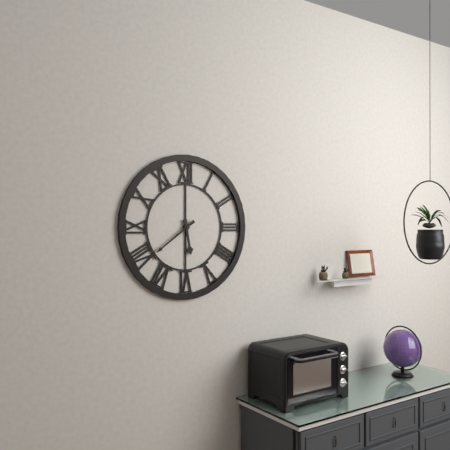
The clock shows h=5 m=39
